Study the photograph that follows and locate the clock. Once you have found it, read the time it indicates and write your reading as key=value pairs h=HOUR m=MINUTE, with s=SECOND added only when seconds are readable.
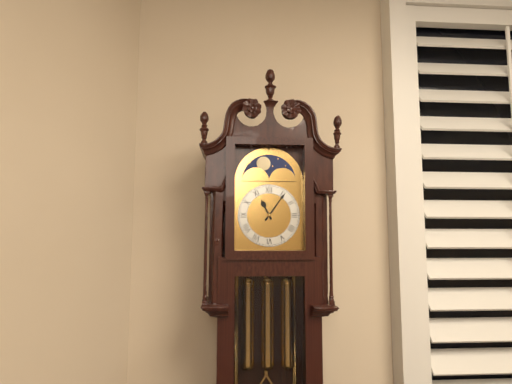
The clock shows h=11 m=6
